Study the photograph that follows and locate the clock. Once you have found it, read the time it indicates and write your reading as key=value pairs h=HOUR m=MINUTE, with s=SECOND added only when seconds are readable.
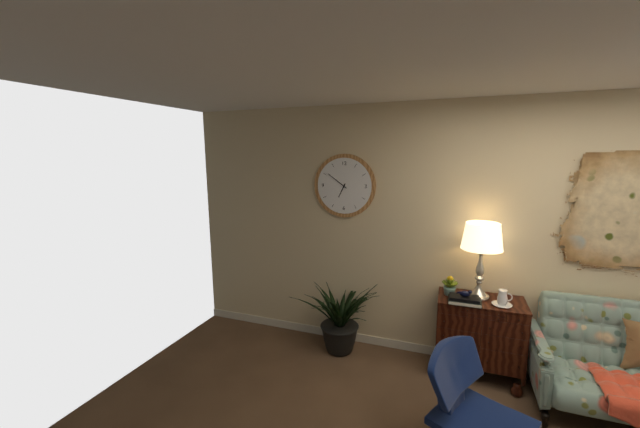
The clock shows h=6 m=51
